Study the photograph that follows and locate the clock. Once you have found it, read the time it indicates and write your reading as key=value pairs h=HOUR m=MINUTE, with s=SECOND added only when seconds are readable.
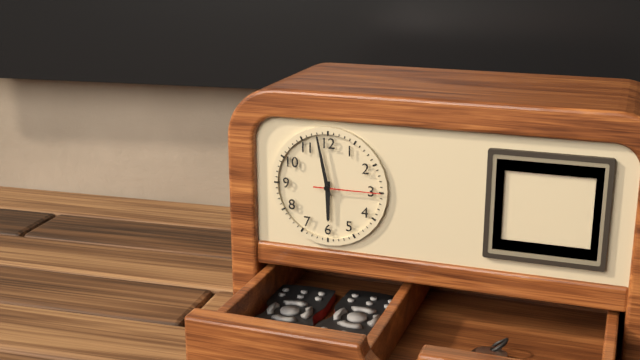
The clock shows h=5 m=58 s=15
